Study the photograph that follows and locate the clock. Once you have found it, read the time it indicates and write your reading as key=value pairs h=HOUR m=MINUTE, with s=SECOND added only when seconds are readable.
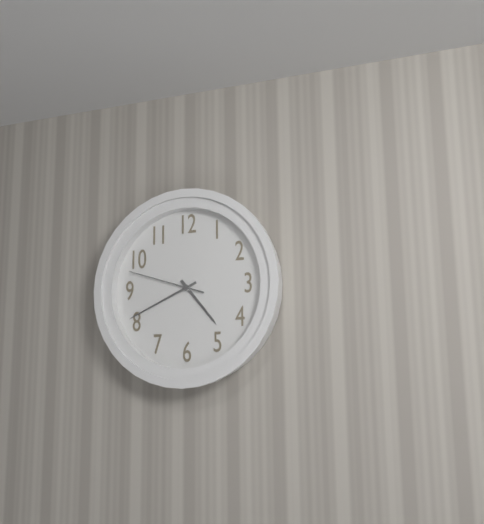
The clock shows h=4 m=41 s=48
